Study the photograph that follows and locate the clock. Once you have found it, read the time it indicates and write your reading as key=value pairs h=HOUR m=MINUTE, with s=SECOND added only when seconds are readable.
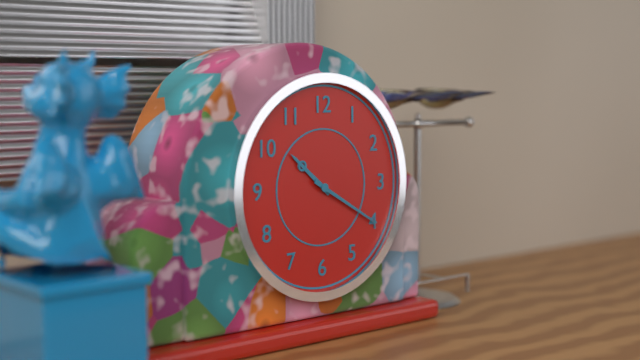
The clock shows h=10 m=20
